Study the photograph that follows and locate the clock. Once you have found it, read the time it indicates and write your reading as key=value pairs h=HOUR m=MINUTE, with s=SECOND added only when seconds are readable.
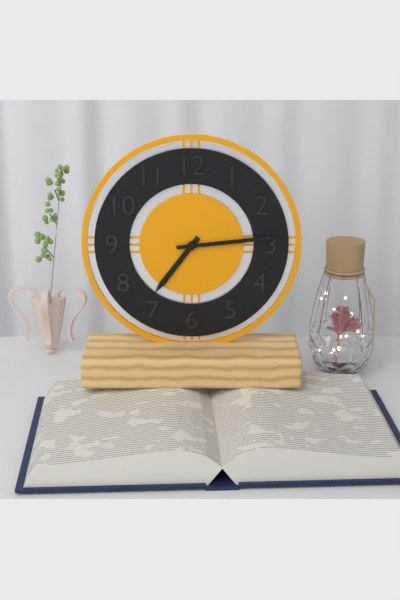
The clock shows h=7 m=14
